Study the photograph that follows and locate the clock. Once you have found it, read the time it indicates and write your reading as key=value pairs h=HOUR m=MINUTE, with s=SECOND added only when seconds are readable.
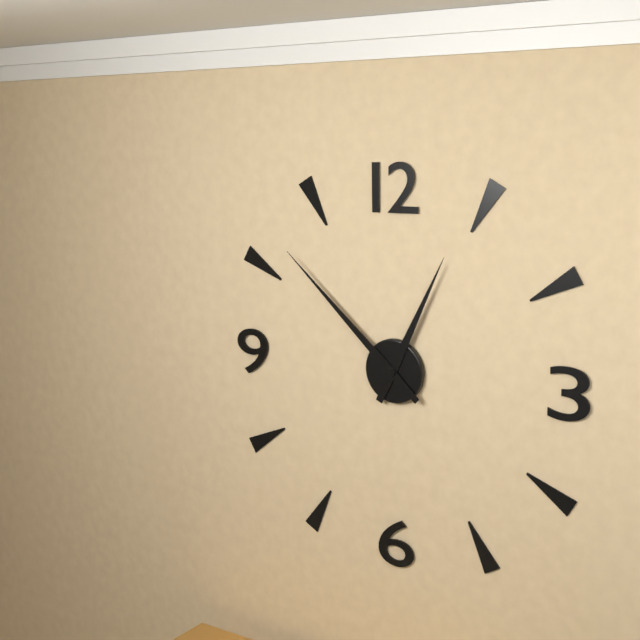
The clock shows h=12 m=52
